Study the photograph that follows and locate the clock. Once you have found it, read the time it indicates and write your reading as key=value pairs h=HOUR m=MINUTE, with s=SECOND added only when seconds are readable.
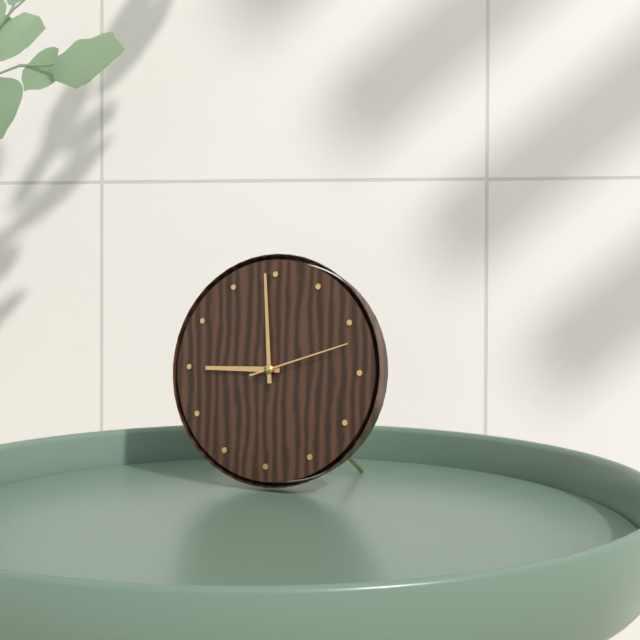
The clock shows h=8 m=59 s=12
